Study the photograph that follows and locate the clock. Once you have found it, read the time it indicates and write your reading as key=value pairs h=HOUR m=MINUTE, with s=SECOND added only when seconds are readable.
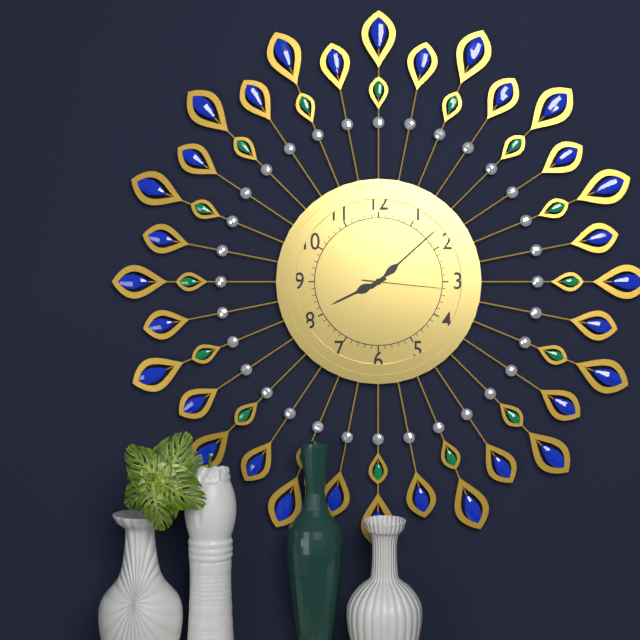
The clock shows h=8 m=8 s=16
